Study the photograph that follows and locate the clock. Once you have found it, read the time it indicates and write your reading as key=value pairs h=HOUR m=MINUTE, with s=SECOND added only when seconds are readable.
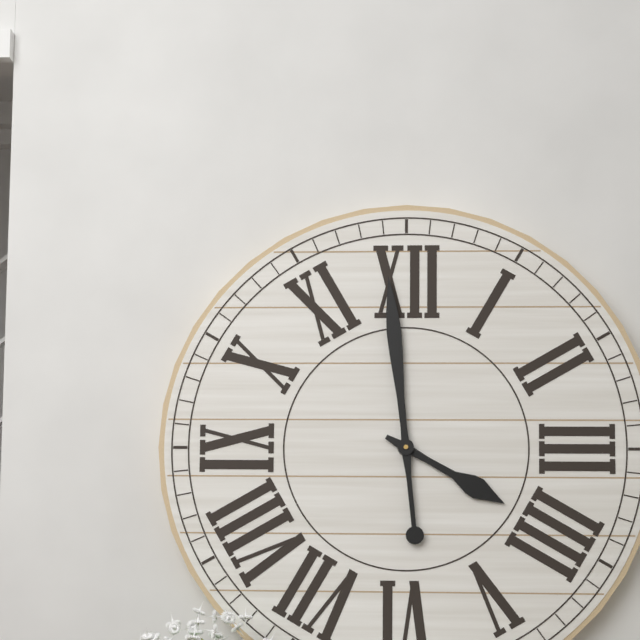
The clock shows h=3 m=59
